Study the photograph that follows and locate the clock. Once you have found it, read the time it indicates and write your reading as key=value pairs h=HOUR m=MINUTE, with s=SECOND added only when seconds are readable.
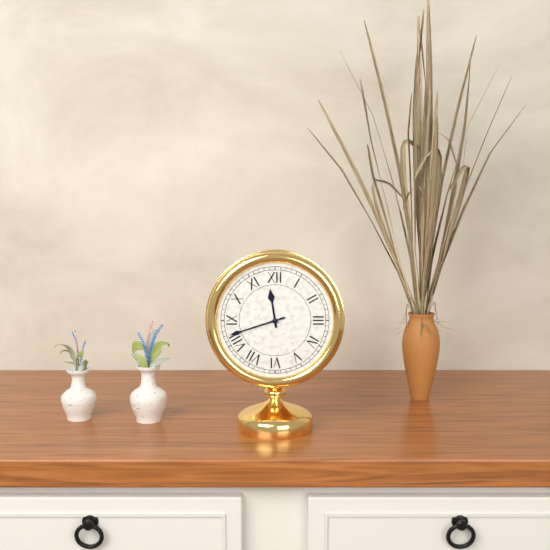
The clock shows h=11 m=42
